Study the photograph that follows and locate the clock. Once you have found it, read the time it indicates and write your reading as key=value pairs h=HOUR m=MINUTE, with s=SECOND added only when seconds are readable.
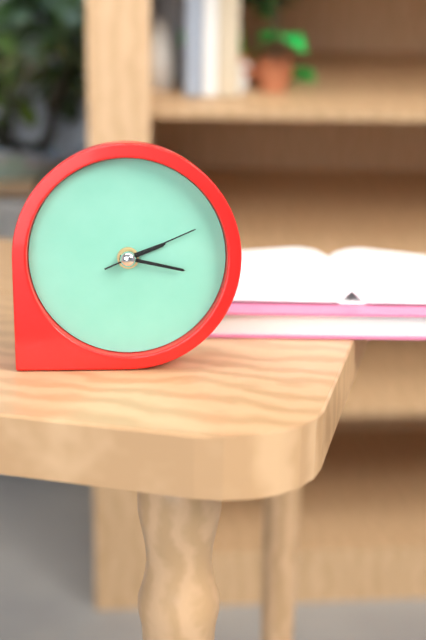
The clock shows h=2 m=17 s=11
